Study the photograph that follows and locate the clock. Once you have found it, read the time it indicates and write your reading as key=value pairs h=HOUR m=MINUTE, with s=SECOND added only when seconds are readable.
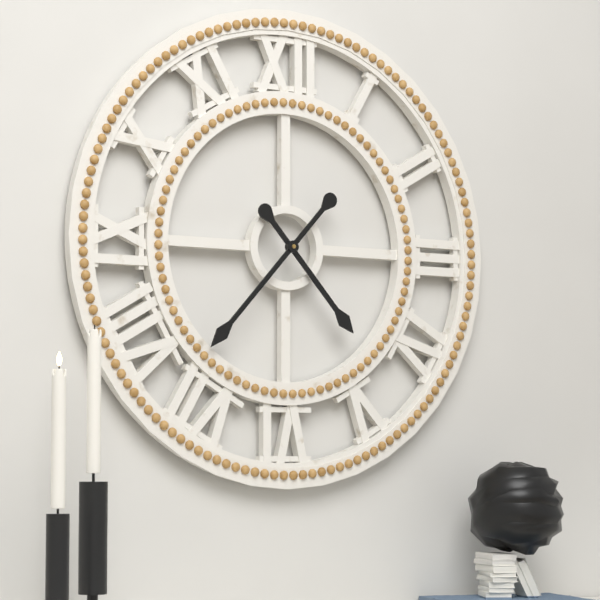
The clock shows h=4 m=37
